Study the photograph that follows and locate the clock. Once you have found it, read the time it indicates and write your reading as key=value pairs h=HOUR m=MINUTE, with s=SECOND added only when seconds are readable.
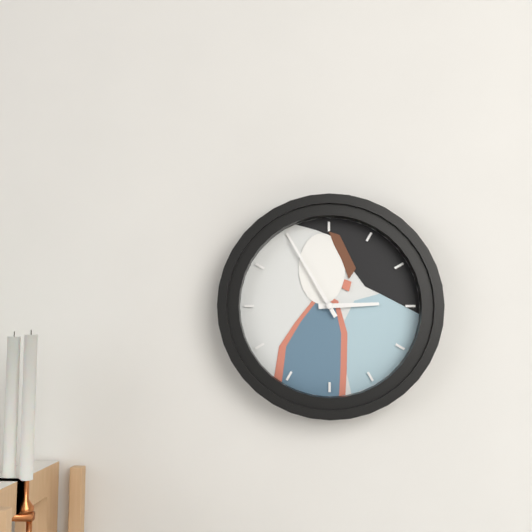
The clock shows h=2 m=55
